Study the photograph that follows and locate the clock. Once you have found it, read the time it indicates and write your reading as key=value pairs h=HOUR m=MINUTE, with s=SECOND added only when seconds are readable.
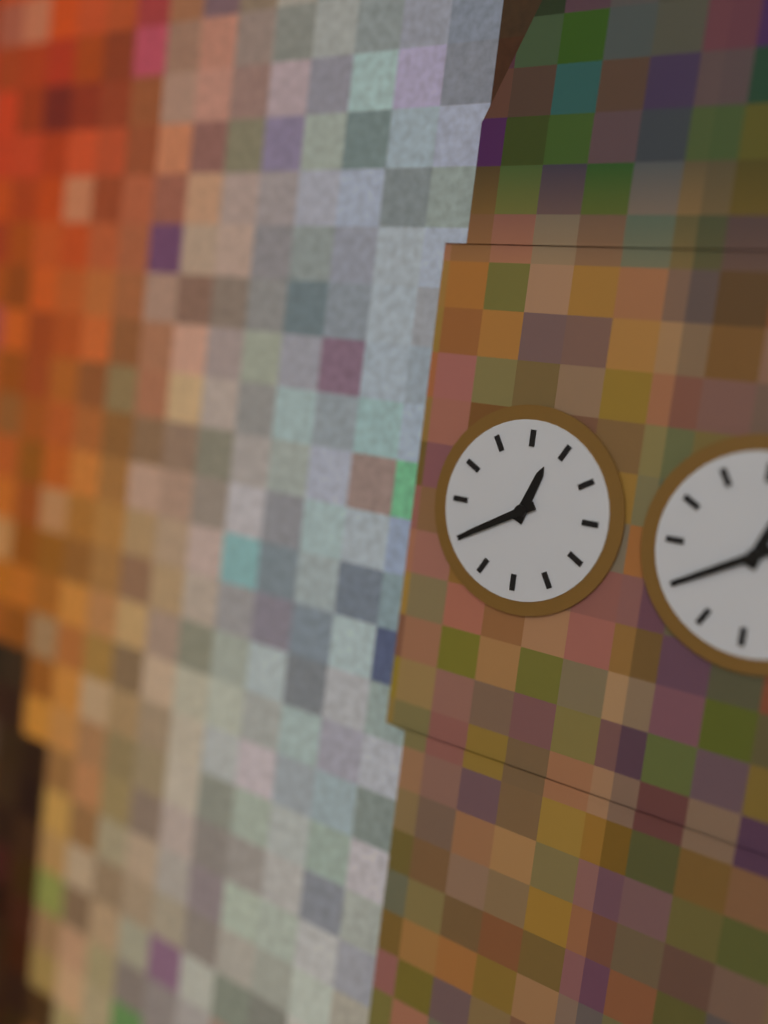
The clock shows h=12 m=40
